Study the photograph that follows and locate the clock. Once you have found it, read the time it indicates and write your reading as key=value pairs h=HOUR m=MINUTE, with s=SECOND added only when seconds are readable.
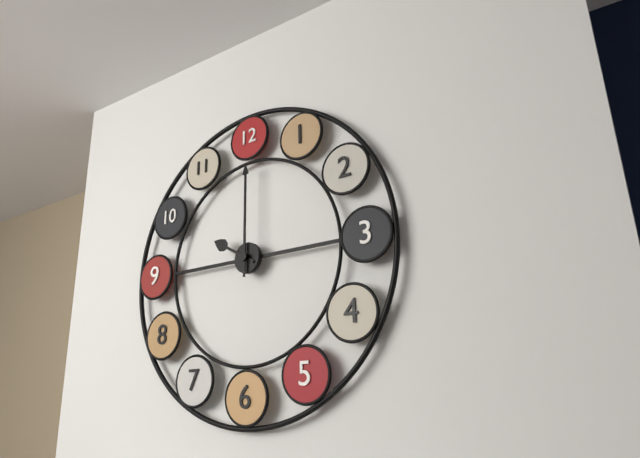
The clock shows h=10 m=0
